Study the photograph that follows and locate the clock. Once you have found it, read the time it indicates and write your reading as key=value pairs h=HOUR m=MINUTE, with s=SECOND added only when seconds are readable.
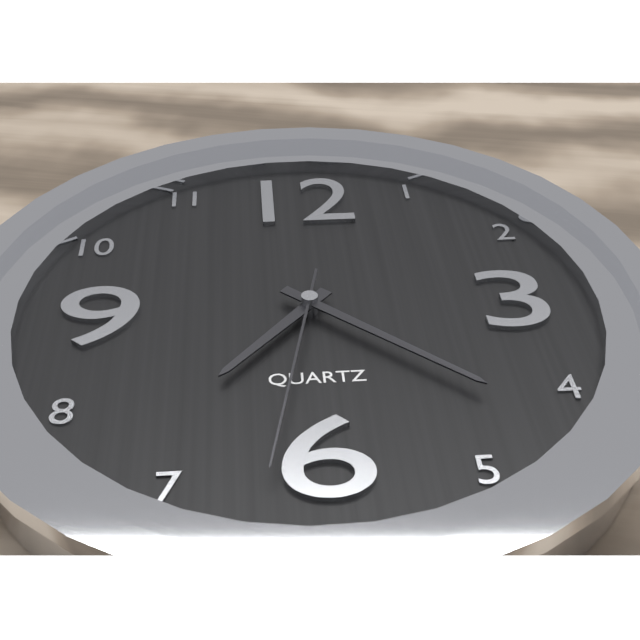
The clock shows h=7 m=22 s=32
